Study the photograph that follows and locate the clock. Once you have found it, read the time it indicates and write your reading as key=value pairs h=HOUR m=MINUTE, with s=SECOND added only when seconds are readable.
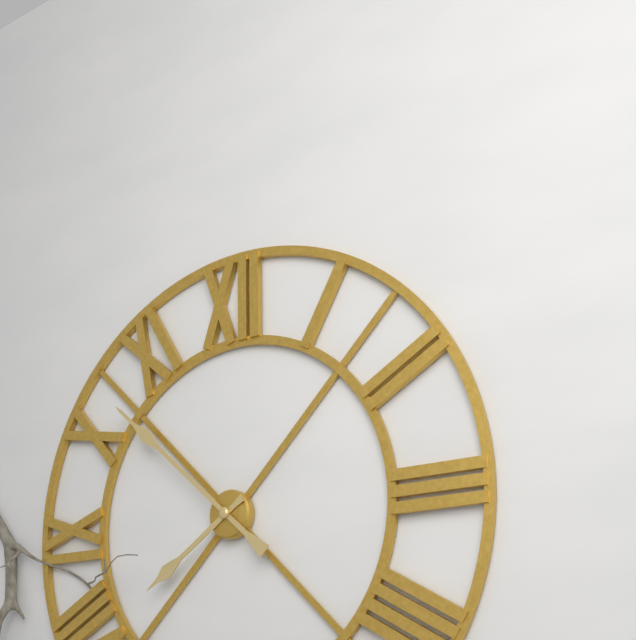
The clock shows h=7 m=52
